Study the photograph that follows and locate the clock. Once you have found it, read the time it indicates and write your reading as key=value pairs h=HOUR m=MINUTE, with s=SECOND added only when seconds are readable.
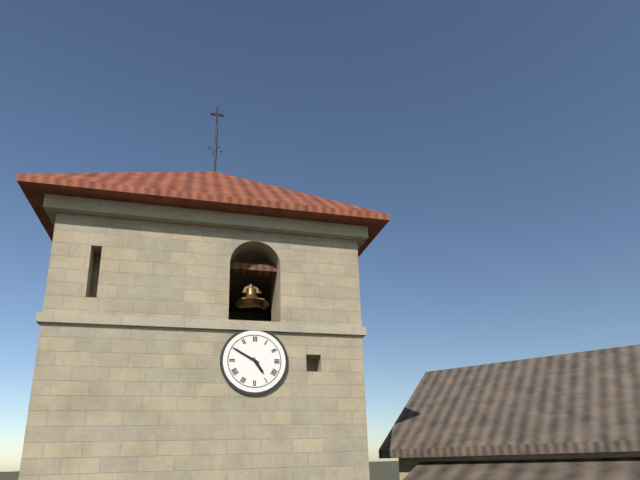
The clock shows h=4 m=50
